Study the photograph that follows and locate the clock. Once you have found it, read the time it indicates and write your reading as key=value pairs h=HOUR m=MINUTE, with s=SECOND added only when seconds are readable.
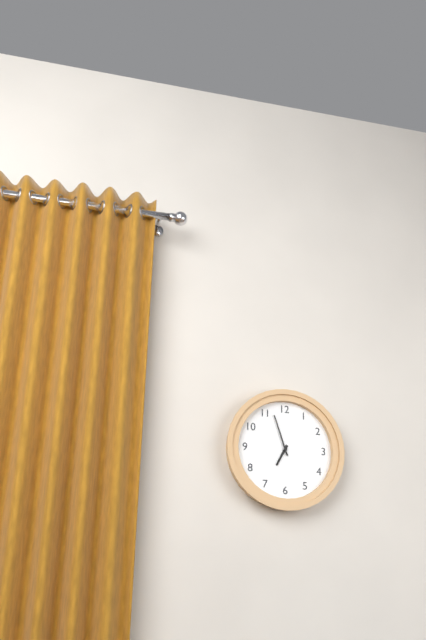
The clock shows h=6 m=57
